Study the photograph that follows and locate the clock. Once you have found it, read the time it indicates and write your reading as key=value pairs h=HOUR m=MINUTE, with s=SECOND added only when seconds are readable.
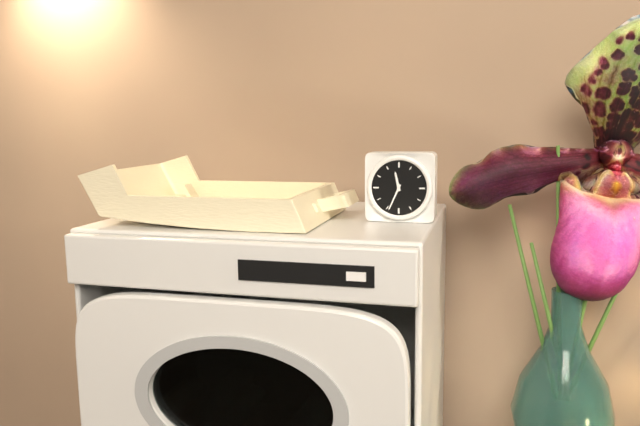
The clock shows h=11 m=34
